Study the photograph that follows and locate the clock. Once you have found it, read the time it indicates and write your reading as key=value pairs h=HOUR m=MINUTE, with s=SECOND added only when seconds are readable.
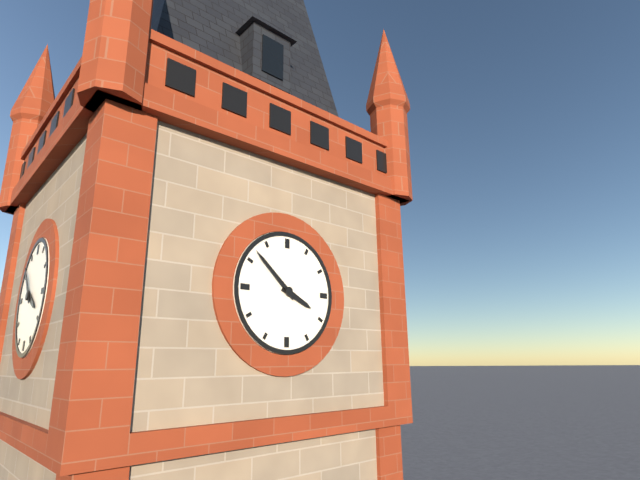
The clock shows h=3 m=52
